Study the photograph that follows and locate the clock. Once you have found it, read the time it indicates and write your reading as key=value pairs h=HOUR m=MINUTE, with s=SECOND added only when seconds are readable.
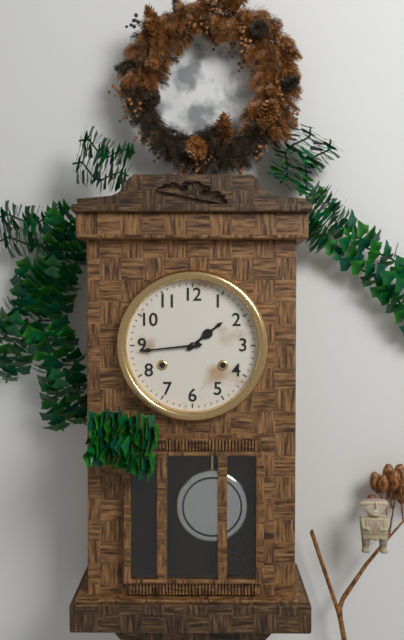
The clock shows h=1 m=44
